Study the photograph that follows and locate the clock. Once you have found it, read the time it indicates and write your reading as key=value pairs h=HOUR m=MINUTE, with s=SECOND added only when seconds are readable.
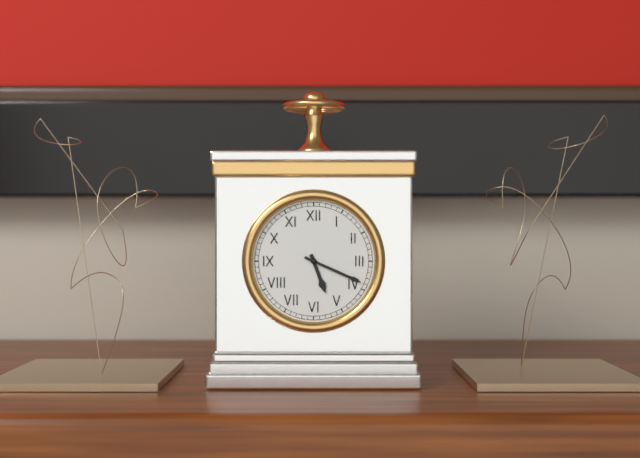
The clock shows h=5 m=19
